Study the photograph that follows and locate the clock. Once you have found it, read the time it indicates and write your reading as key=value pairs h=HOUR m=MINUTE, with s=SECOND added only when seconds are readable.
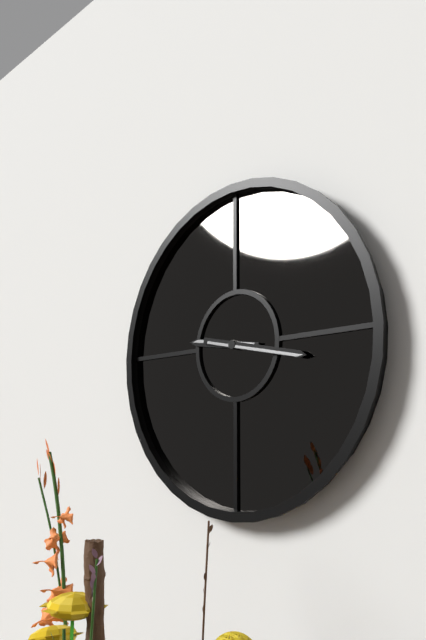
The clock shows h=9 m=17
